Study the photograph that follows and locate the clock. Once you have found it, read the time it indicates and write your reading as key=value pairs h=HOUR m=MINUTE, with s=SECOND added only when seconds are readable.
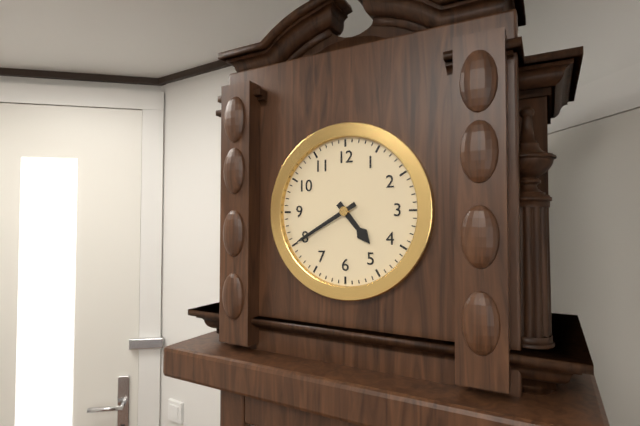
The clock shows h=4 m=40
